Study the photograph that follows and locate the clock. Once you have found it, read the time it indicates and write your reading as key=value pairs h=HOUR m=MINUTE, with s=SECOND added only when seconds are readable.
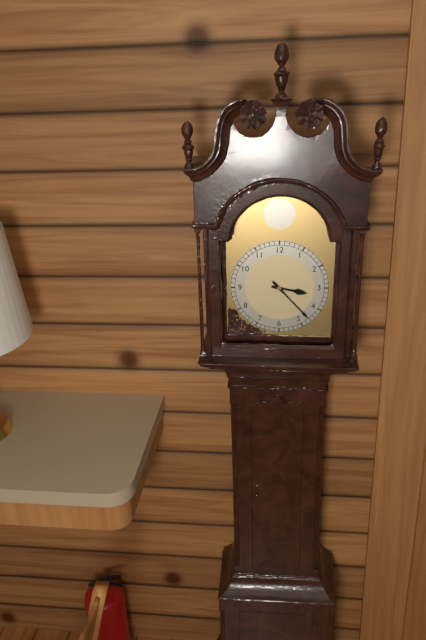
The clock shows h=3 m=23
